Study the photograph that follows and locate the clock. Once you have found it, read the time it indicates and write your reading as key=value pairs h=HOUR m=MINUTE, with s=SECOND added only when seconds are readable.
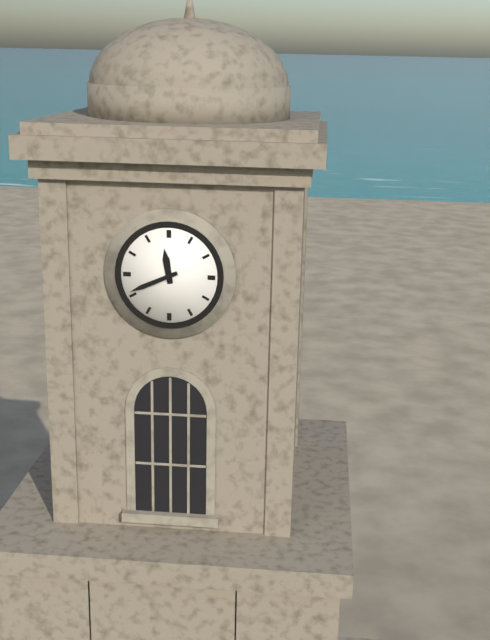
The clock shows h=11 m=41
